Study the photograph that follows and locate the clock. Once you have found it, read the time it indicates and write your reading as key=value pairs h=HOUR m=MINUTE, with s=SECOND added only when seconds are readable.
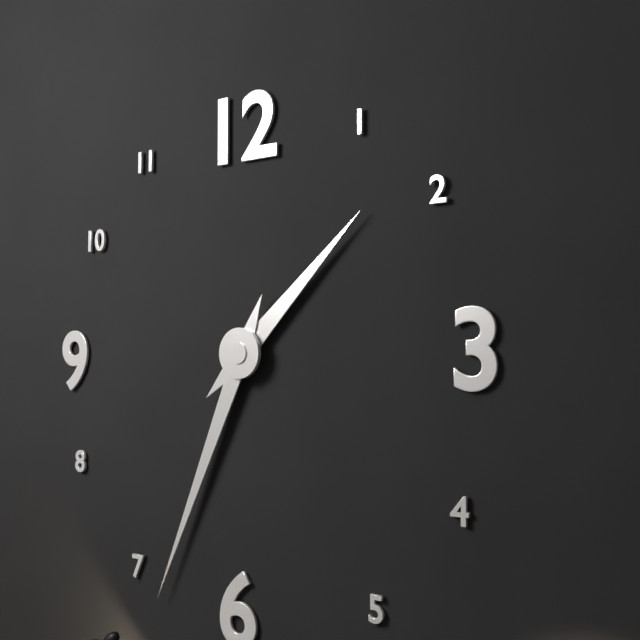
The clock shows h=1 m=34
